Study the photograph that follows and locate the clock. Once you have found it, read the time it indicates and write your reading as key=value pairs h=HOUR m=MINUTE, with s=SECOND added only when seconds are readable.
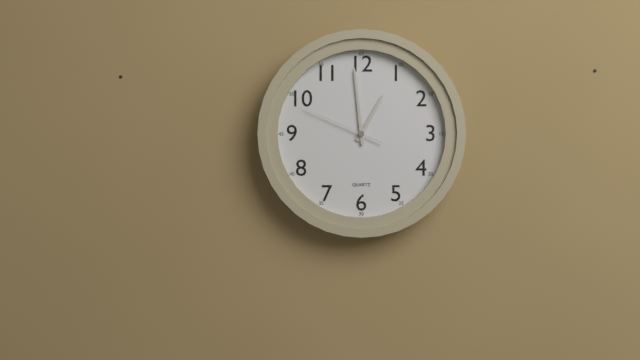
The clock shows h=12 m=59 s=49
